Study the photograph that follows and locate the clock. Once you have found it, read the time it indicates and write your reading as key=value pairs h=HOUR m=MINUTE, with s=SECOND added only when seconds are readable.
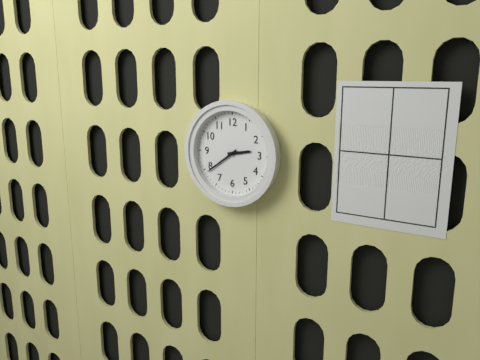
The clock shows h=2 m=39
